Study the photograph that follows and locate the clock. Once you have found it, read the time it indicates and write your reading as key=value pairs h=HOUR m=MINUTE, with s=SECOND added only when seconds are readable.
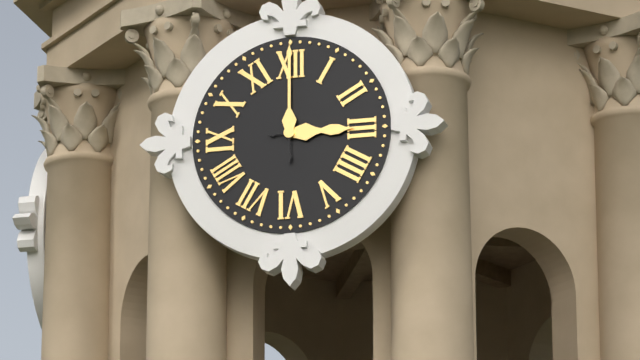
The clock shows h=3 m=0
